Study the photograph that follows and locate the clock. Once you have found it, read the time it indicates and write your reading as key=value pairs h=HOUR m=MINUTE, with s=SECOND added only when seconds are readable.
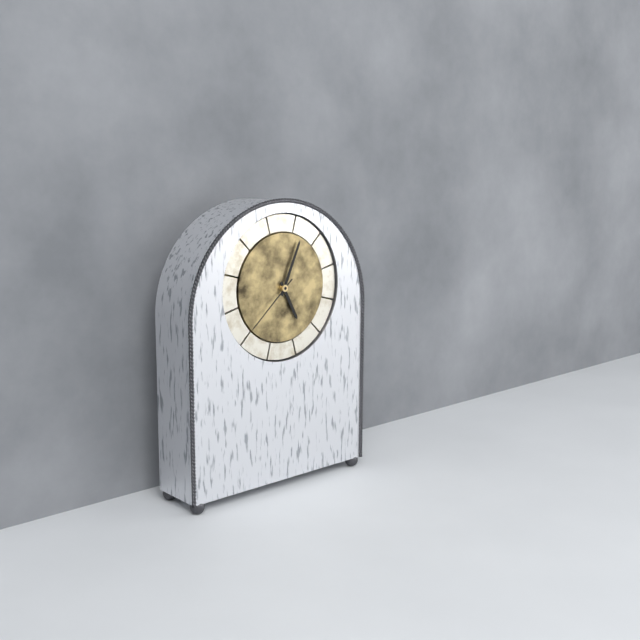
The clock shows h=5 m=4 s=38
